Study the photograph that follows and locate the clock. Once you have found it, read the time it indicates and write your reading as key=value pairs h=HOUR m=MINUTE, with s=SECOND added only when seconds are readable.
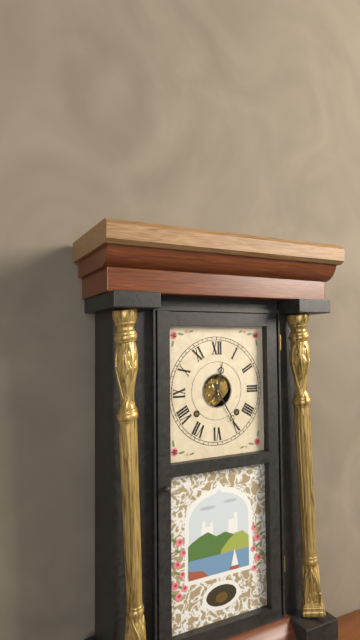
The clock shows h=12 m=25
